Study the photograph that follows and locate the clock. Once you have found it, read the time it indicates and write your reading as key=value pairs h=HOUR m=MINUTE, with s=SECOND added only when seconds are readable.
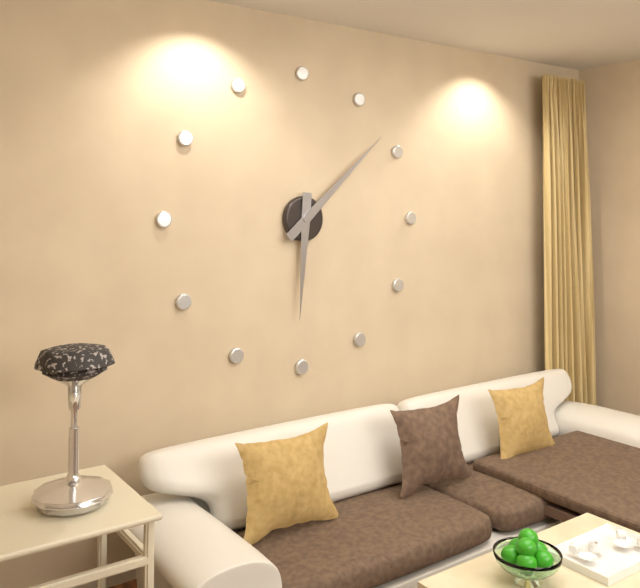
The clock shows h=6 m=8
